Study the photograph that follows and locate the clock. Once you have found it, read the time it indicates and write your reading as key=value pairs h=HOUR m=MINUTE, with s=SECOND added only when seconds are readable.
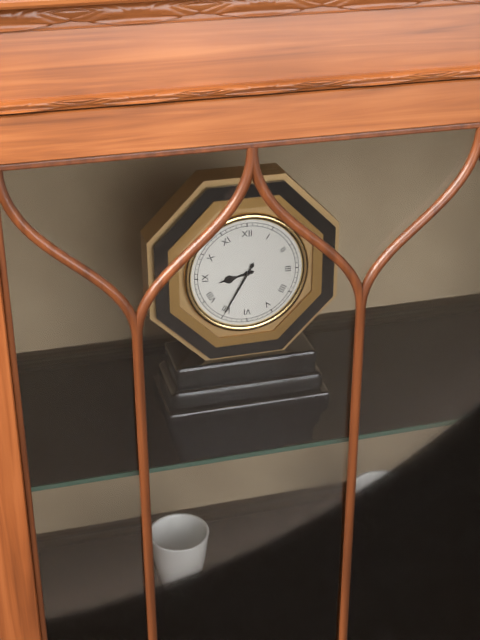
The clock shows h=8 m=35
